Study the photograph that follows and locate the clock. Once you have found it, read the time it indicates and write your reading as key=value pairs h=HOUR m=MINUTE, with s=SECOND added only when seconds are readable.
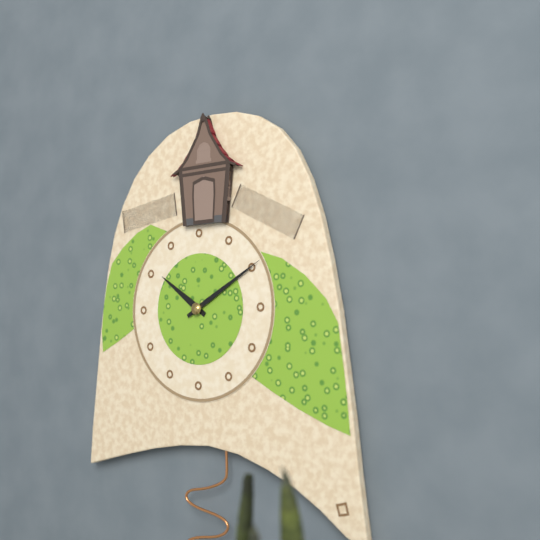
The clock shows h=10 m=10
